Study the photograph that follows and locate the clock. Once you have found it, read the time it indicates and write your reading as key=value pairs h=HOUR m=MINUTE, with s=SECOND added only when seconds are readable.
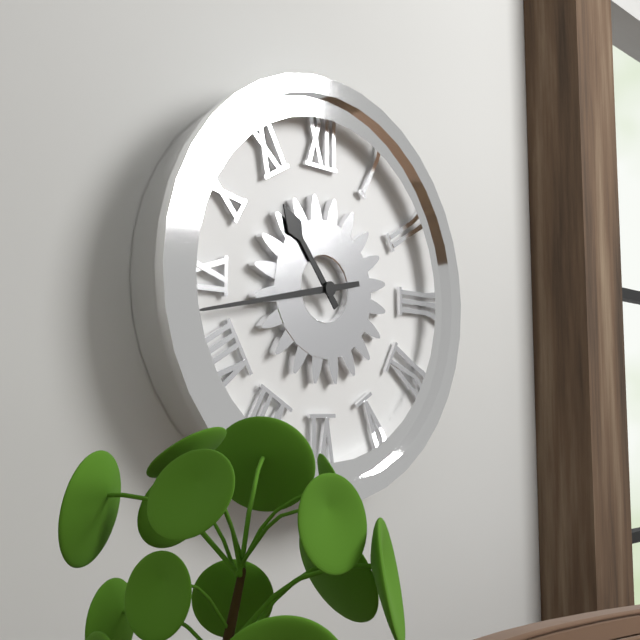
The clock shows h=10 m=43
